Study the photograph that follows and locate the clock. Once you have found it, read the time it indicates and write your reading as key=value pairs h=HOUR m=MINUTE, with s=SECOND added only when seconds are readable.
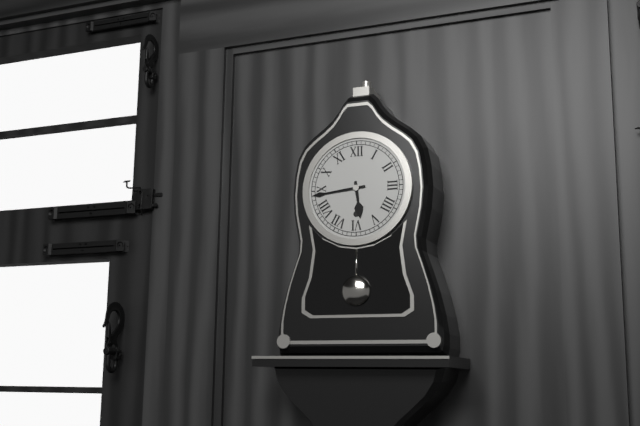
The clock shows h=5 m=44
